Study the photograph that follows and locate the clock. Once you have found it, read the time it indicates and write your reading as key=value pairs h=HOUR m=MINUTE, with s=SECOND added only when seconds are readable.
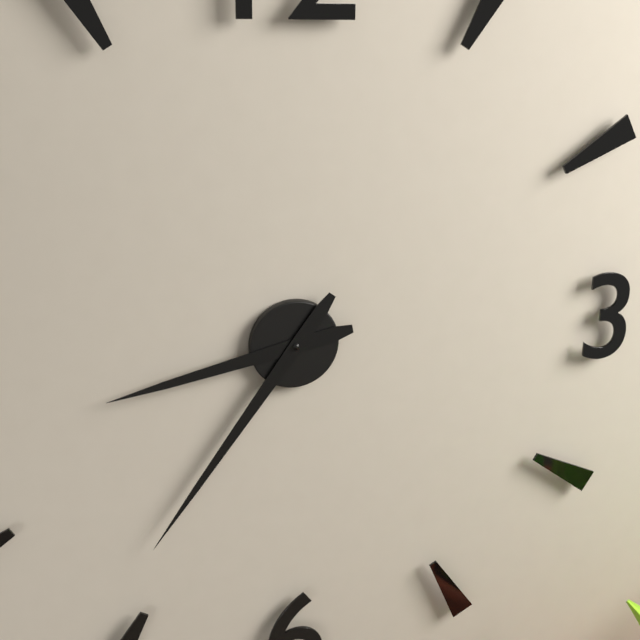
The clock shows h=8 m=36
